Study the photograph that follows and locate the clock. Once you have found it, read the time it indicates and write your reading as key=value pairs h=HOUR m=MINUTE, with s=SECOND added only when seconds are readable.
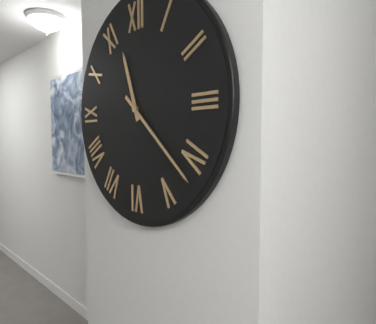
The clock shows h=11 m=22
